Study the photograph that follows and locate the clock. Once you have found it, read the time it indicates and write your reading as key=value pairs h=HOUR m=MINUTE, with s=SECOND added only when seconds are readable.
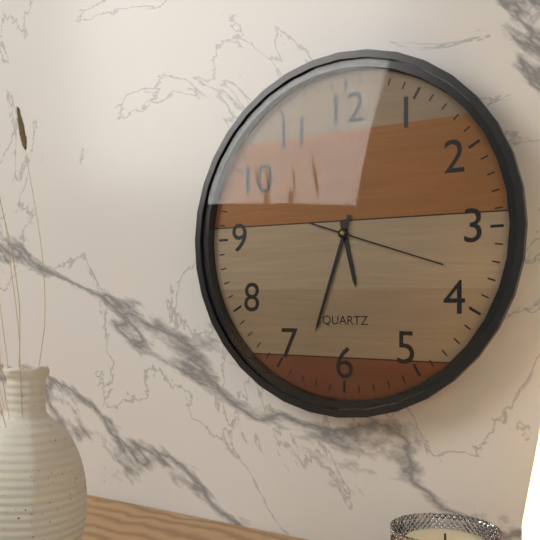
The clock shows h=5 m=33 s=18
